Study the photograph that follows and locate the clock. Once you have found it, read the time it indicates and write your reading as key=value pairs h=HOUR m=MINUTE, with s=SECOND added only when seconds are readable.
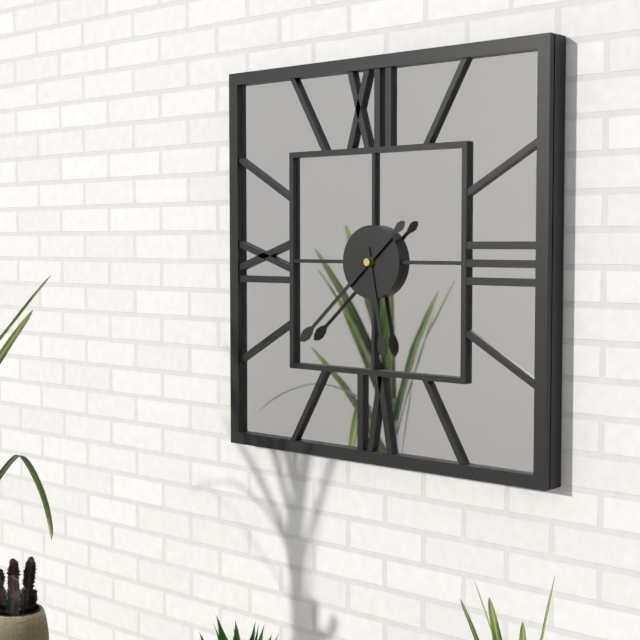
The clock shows h=5 m=38
